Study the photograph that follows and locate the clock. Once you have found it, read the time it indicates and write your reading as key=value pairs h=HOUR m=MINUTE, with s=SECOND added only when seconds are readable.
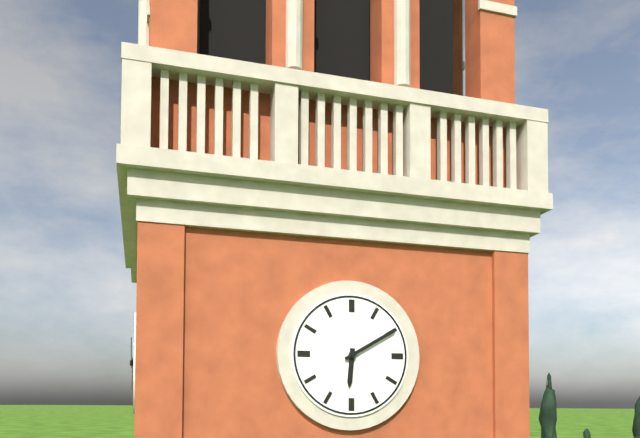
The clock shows h=6 m=10
